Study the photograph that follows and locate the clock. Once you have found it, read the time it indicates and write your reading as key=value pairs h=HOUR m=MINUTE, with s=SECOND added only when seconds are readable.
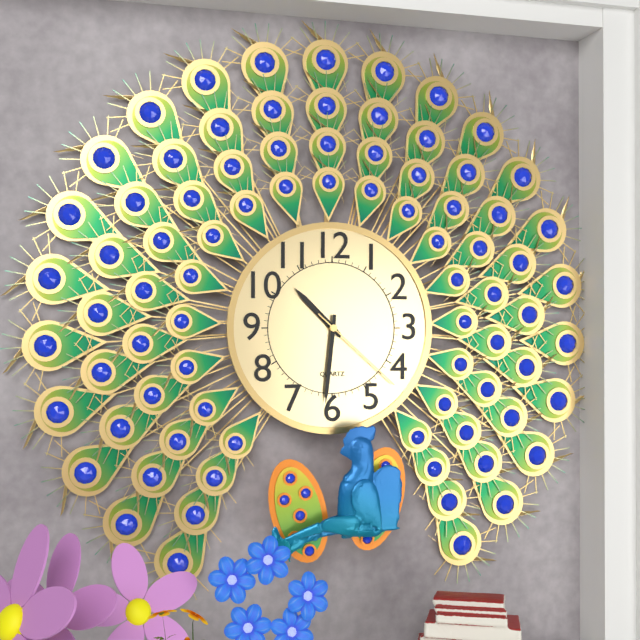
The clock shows h=10 m=31 s=22
